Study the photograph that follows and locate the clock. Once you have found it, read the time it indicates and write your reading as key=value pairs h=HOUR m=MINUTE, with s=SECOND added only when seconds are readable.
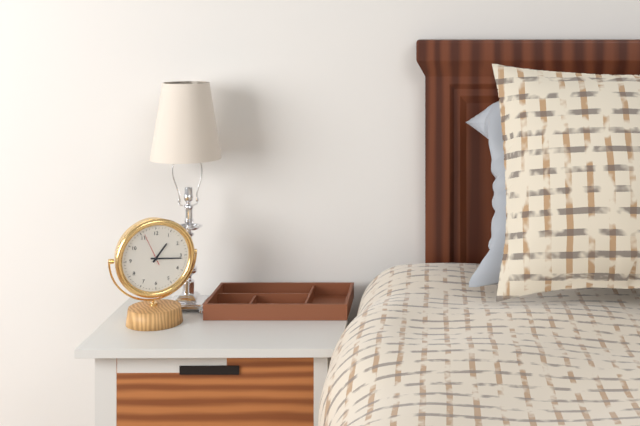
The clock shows h=1 m=16
